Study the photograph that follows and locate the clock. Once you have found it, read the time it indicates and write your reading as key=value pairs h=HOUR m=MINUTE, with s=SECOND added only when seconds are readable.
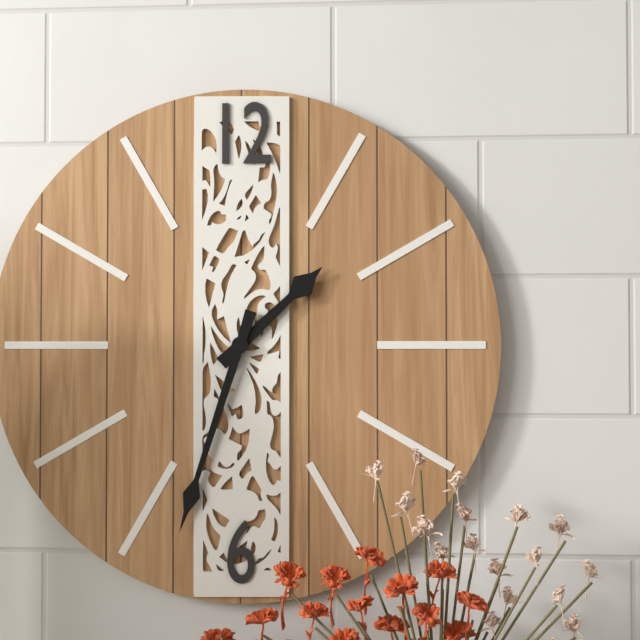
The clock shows h=1 m=33
